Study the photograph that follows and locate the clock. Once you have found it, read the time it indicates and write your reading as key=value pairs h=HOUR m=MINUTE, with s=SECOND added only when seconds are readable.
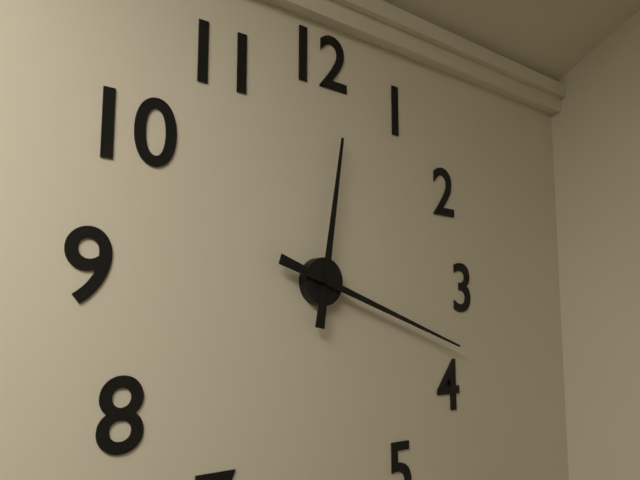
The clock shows h=12 m=18
